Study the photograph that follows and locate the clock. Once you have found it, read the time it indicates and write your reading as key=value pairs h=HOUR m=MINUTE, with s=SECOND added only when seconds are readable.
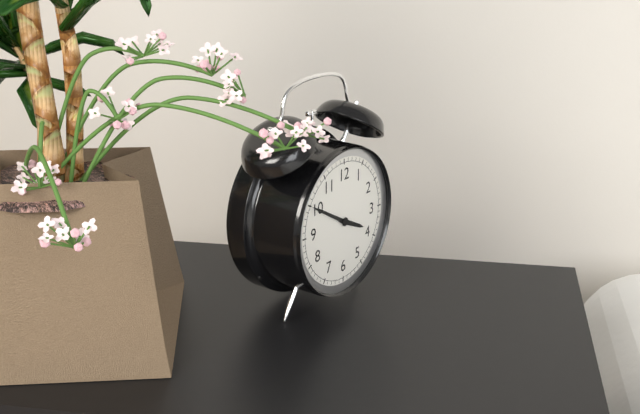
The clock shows h=3 m=50
